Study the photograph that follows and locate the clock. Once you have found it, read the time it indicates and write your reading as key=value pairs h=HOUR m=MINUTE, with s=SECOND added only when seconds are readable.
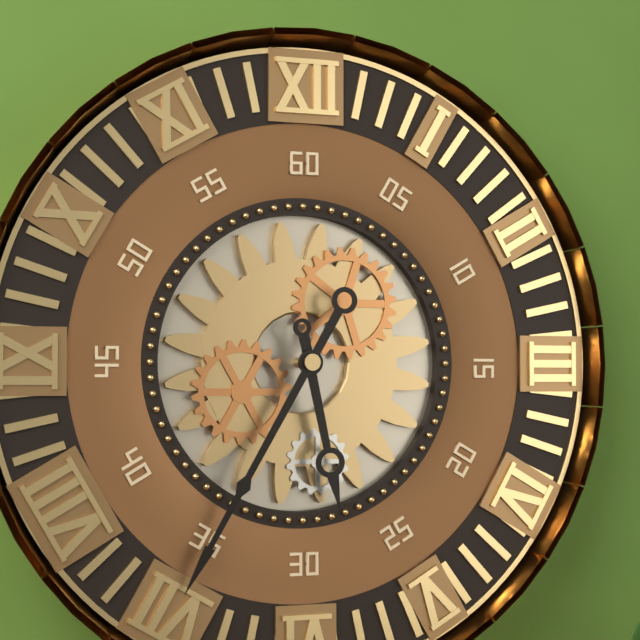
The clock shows h=5 m=35
